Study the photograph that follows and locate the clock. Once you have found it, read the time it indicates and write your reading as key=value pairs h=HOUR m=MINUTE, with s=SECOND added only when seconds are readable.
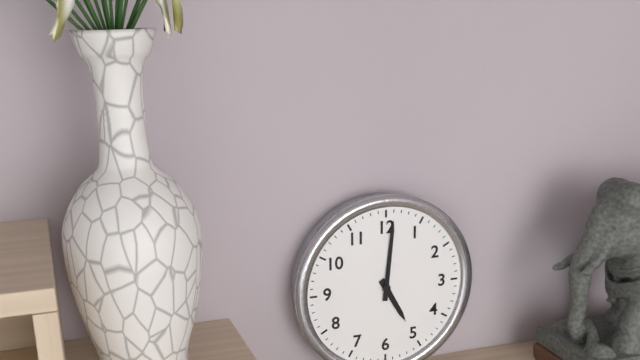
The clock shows h=5 m=1
